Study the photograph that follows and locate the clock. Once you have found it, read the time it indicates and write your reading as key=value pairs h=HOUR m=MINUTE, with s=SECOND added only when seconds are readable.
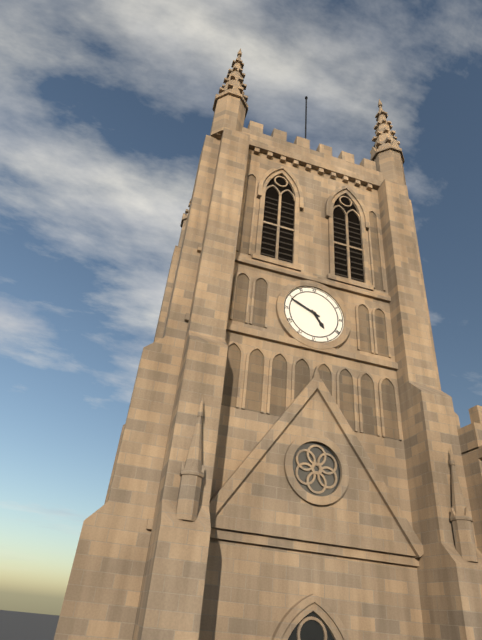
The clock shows h=4 m=49
